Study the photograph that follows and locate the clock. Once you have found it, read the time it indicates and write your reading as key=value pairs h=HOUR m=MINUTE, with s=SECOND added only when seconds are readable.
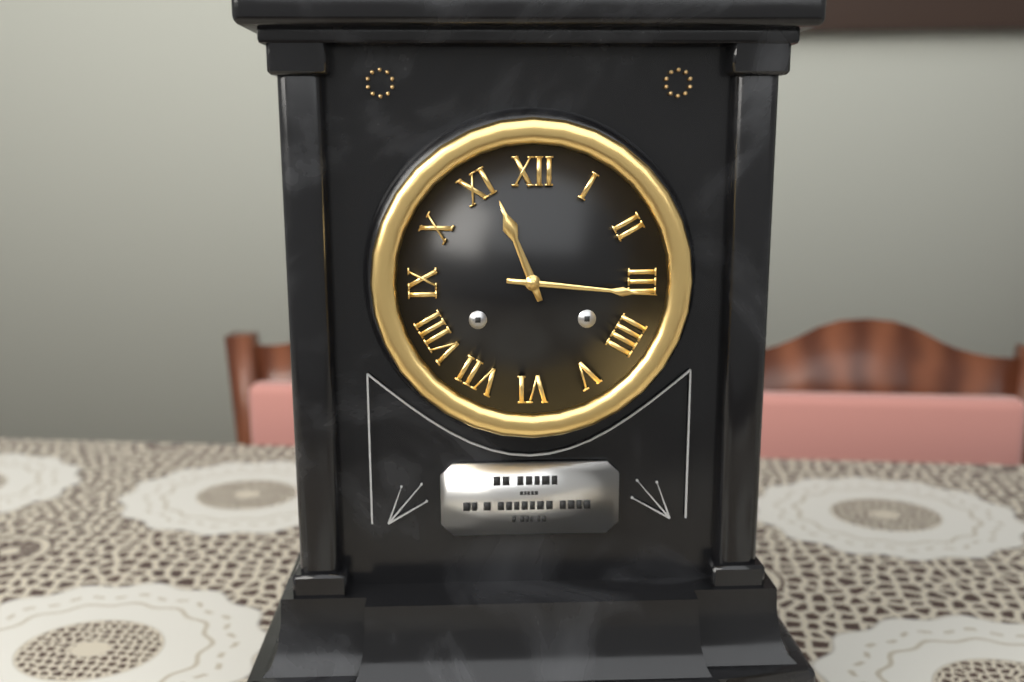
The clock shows h=11 m=16
